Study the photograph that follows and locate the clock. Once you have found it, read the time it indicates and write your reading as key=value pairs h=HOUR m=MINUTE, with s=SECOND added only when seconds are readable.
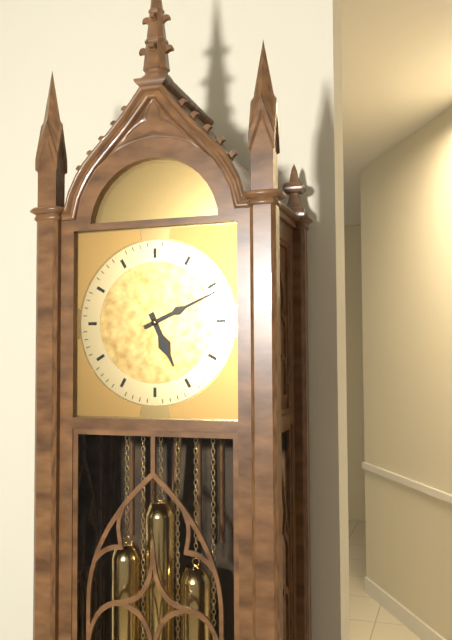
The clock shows h=5 m=11
